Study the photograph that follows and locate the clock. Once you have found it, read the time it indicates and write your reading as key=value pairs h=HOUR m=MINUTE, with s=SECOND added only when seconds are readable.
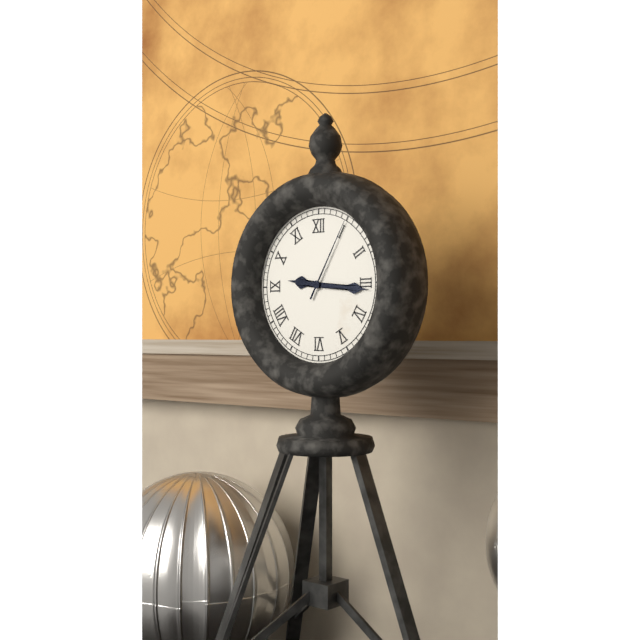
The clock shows h=9 m=16 s=5
